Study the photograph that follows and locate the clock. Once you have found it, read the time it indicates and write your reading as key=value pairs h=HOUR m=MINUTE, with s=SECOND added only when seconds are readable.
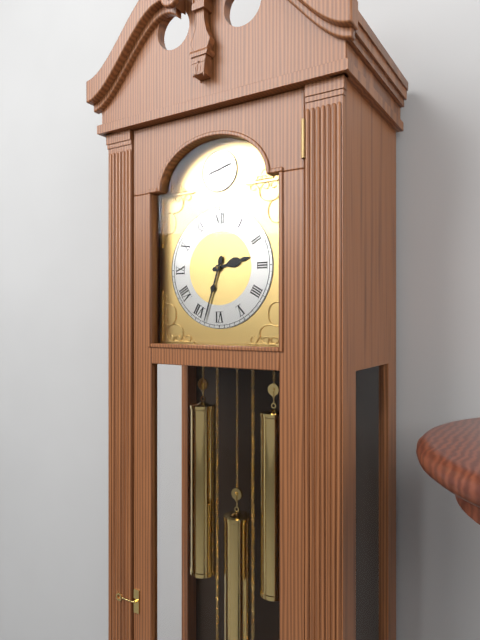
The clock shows h=2 m=33
